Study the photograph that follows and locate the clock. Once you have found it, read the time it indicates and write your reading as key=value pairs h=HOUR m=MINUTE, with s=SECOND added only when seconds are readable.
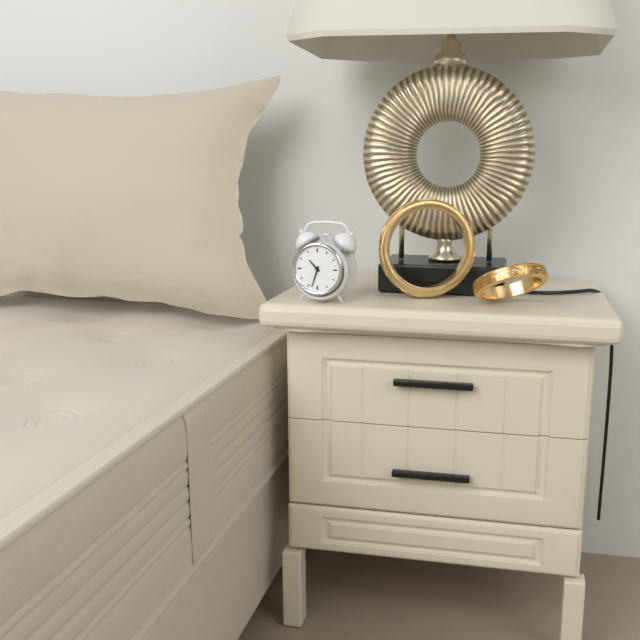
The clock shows h=10 m=33
